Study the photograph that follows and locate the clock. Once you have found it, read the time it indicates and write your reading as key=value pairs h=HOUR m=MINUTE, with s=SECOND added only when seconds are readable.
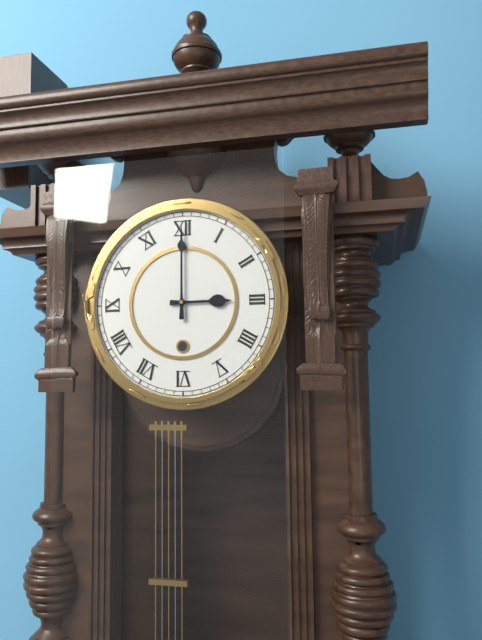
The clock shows h=3 m=0
